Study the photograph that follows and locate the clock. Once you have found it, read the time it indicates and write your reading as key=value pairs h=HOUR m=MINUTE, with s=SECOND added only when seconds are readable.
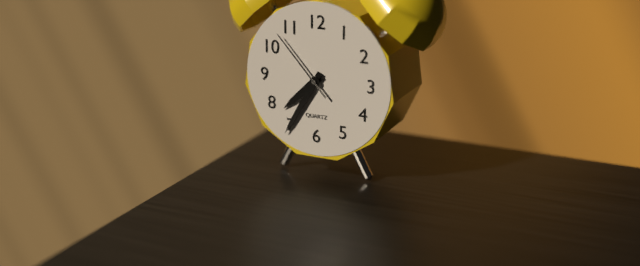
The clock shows h=7 m=35 s=53
